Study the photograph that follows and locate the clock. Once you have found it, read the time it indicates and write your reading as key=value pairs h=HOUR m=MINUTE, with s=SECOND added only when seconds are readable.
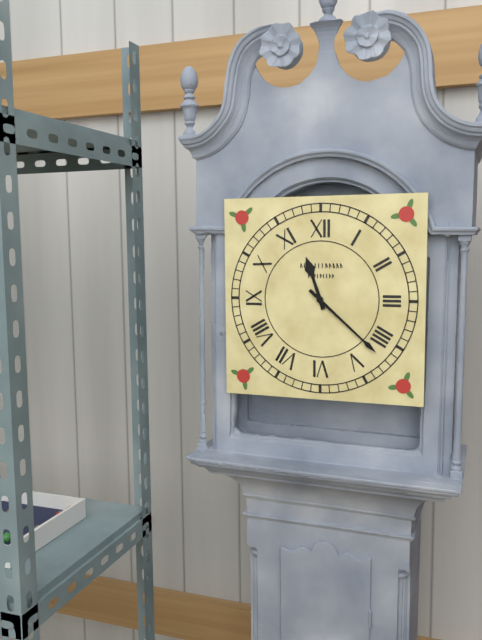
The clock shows h=11 m=22
